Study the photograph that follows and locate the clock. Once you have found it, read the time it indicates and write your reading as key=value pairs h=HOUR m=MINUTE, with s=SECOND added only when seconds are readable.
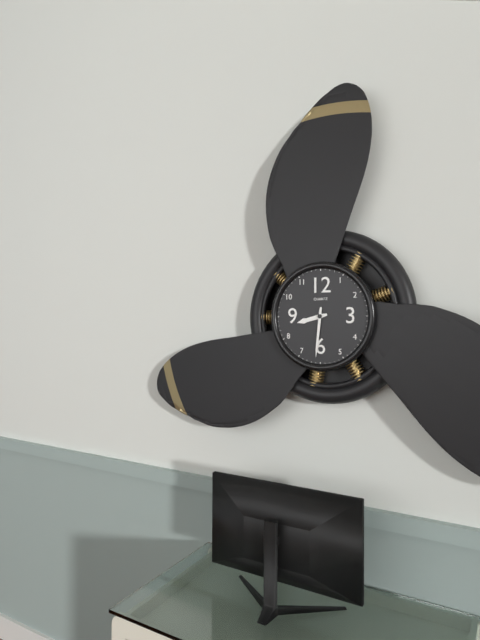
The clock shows h=8 m=31
